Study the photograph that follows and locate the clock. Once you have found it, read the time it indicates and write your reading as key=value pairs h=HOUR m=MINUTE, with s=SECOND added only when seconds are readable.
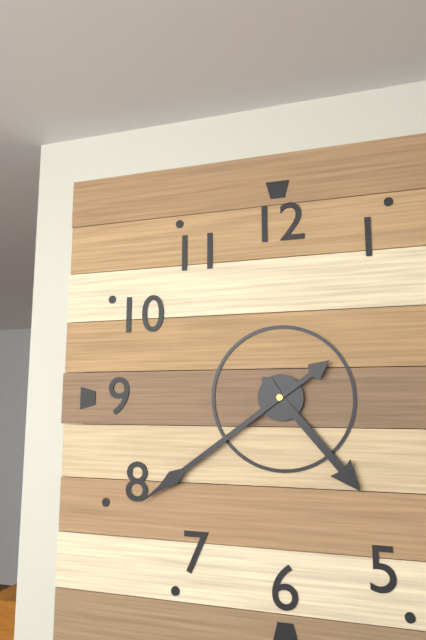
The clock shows h=4 m=39
